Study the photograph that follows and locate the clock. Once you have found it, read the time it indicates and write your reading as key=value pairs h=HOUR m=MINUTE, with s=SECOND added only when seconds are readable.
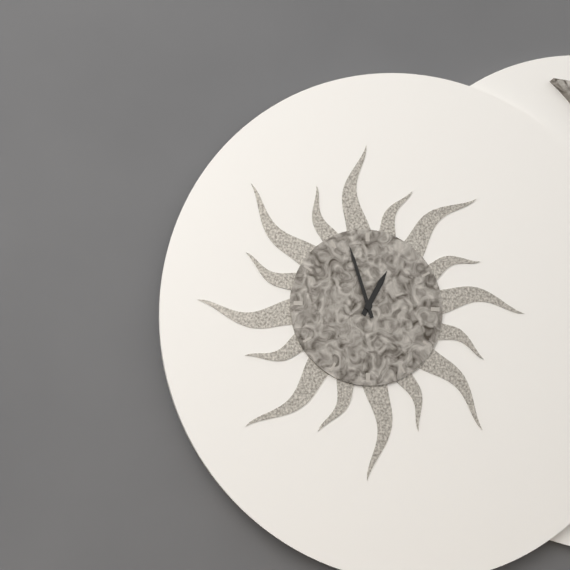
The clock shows h=12 m=57
